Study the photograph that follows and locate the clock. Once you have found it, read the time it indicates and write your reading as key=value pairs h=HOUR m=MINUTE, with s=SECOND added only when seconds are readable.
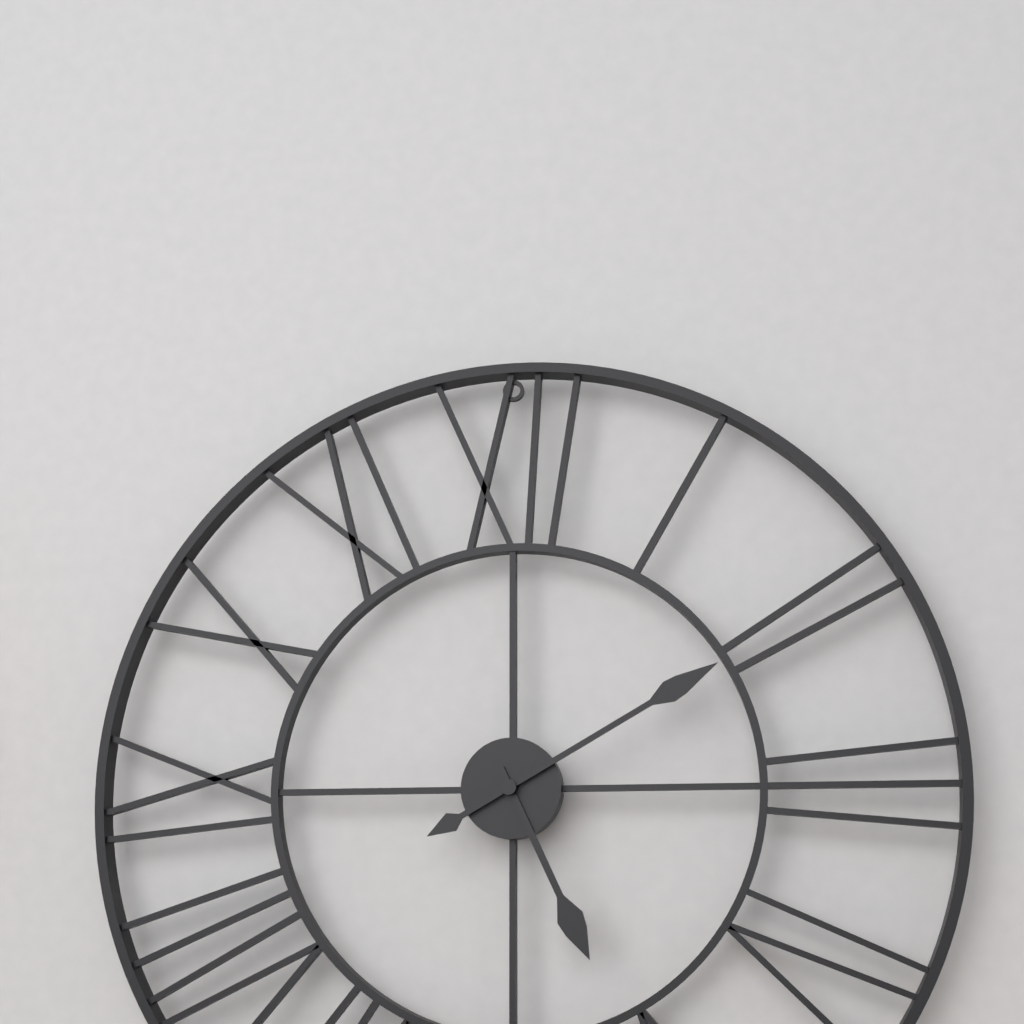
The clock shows h=5 m=10
